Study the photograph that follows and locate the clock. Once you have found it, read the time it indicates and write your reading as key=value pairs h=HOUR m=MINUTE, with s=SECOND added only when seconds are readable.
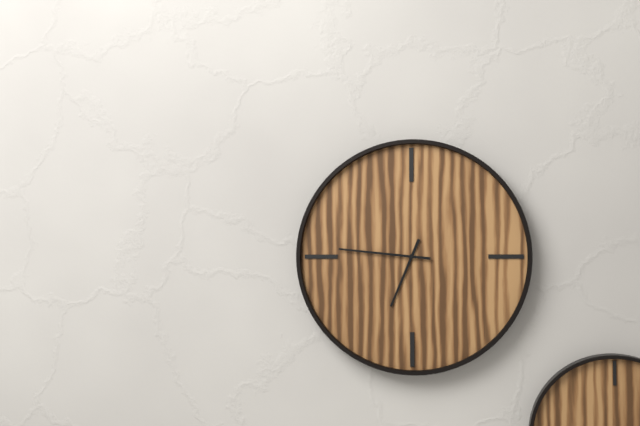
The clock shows h=6 m=46
